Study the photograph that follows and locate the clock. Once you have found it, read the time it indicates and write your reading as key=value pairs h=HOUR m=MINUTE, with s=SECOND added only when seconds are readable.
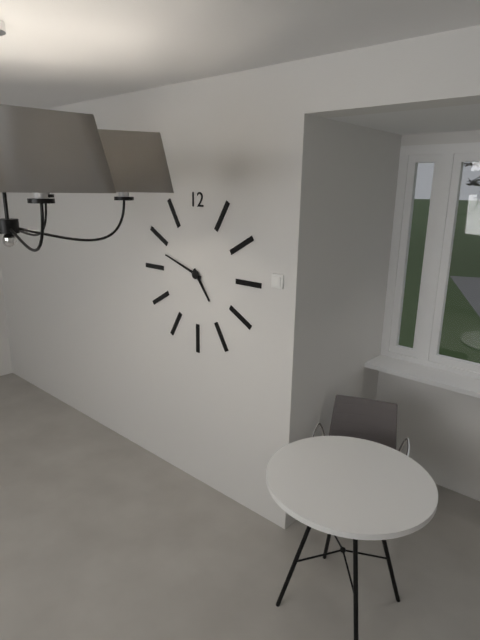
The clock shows h=4 m=48
